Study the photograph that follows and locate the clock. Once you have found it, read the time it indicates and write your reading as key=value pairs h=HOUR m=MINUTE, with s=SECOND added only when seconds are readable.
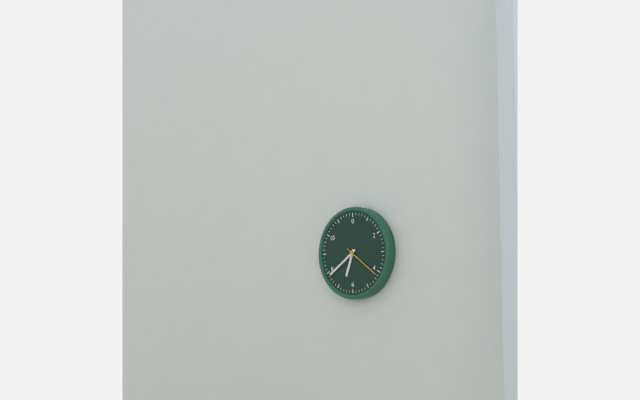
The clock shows h=6 m=39
